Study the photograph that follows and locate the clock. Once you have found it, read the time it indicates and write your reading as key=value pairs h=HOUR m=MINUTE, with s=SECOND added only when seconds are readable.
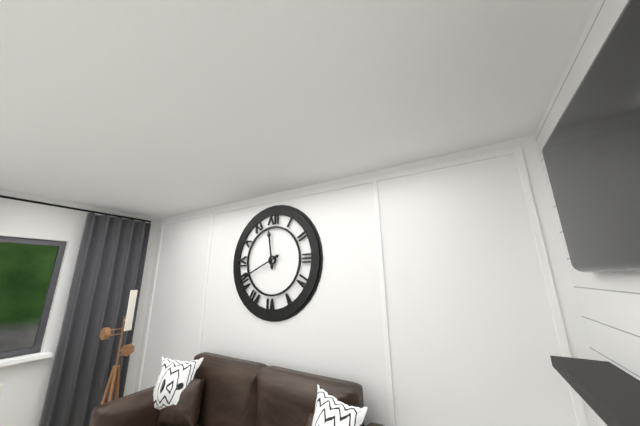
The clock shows h=11 m=41
